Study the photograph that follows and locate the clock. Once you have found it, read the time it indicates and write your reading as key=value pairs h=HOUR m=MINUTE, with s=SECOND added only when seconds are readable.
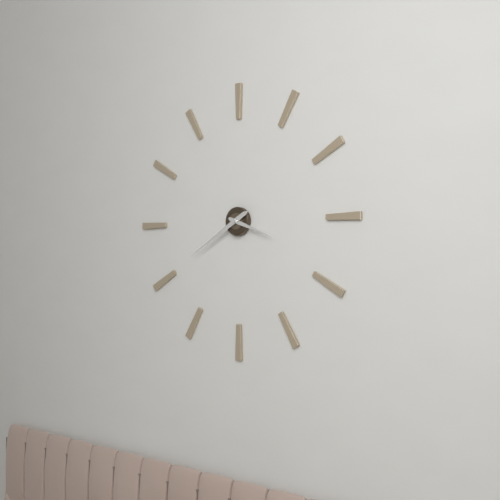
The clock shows h=3 m=40
